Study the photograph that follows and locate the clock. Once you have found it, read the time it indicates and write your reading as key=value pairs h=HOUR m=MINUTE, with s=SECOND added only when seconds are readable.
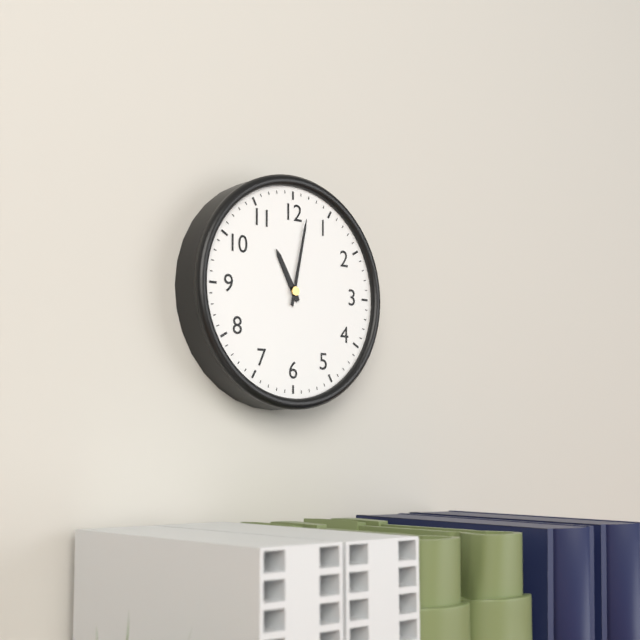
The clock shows h=11 m=2
